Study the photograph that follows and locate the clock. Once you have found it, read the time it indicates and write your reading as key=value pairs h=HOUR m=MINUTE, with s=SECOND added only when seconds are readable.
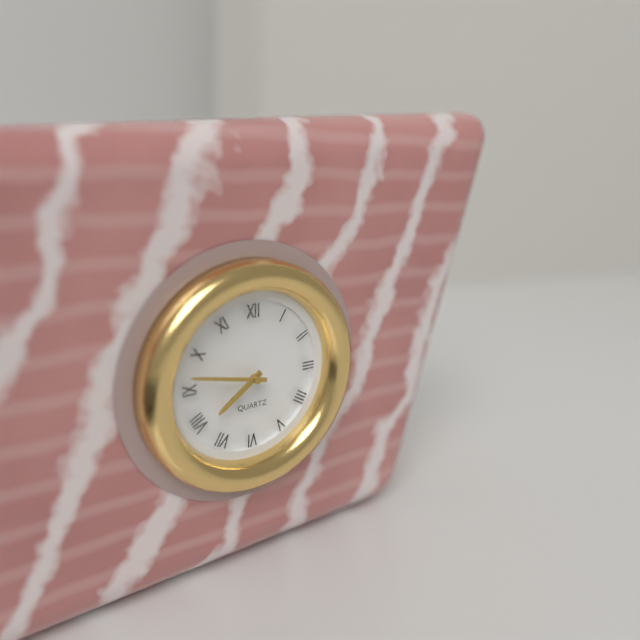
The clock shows h=7 m=47
